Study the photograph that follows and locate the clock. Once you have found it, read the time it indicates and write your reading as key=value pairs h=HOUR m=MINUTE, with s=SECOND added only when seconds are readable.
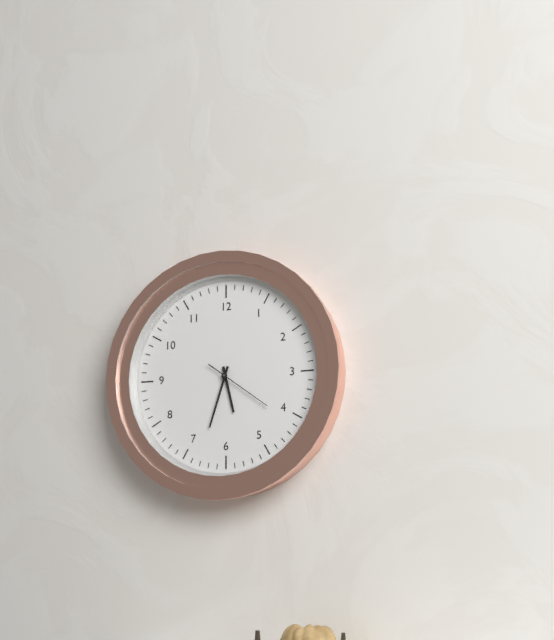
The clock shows h=5 m=33 s=21
